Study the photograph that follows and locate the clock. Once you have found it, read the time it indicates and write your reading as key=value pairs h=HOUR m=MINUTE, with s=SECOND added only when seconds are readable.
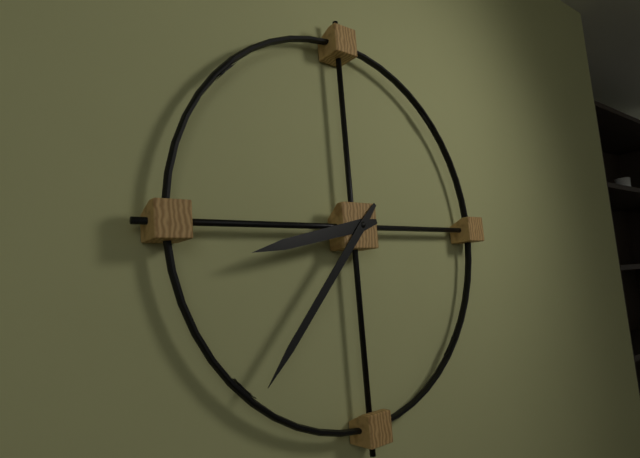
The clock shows h=8 m=37
